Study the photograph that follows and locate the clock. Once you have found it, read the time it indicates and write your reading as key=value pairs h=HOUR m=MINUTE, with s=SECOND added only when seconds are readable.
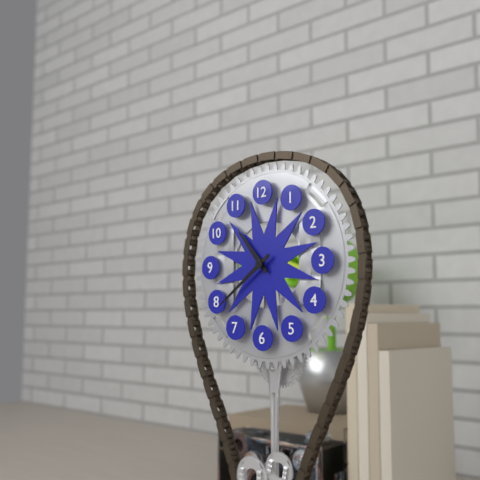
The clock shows h=10 m=39
